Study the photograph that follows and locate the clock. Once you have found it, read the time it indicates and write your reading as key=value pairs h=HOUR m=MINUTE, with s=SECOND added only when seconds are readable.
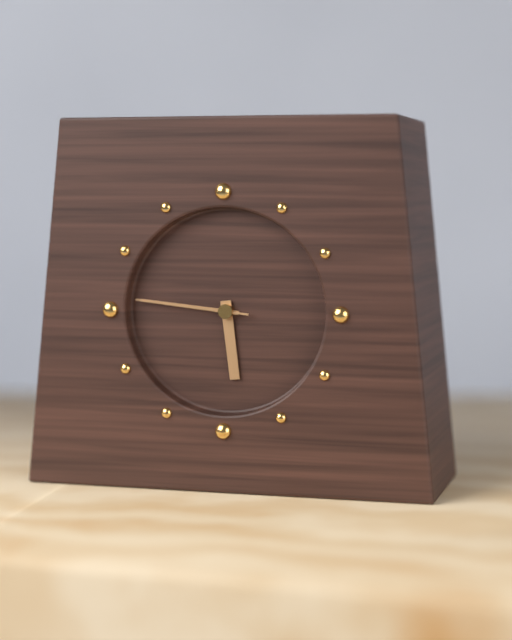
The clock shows h=5 m=46 s=46
